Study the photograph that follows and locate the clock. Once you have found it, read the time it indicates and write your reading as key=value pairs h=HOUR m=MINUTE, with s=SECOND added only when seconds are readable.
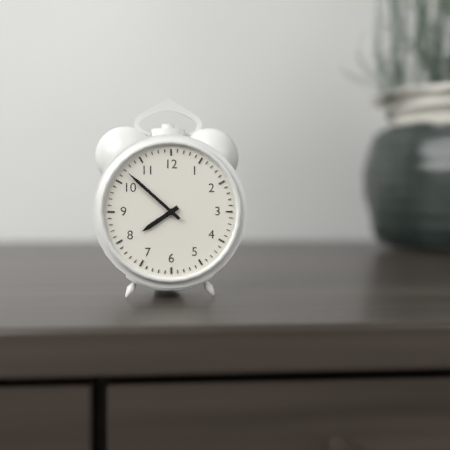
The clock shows h=7 m=52
